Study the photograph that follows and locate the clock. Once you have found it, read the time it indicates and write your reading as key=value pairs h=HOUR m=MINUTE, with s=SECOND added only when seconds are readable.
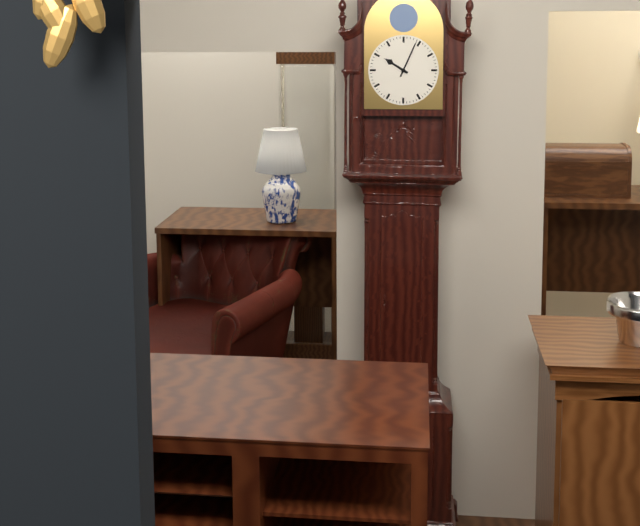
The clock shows h=10 m=4
